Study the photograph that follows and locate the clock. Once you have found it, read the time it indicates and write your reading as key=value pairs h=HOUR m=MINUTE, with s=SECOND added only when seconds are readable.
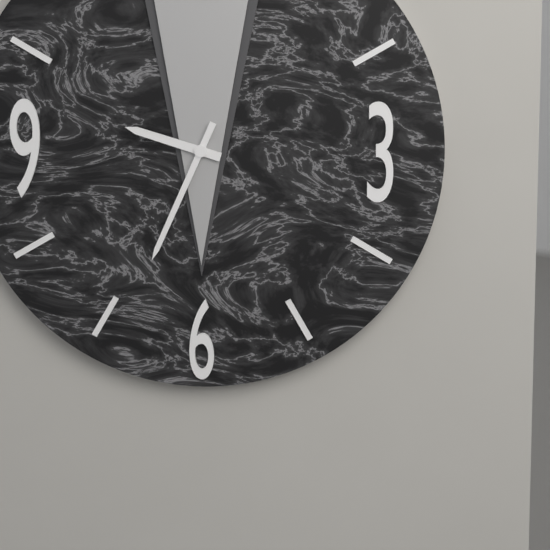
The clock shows h=9 m=34
